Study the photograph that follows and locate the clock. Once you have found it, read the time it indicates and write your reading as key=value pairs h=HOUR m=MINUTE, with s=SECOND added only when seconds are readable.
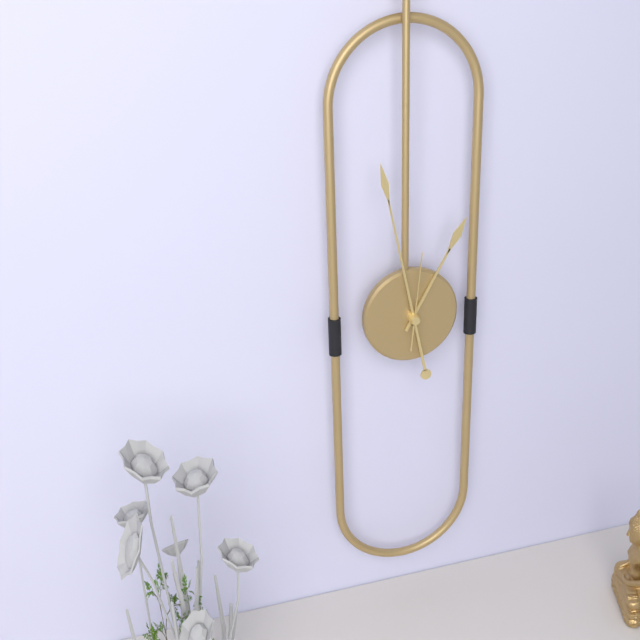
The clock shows h=12 m=58 s=1
